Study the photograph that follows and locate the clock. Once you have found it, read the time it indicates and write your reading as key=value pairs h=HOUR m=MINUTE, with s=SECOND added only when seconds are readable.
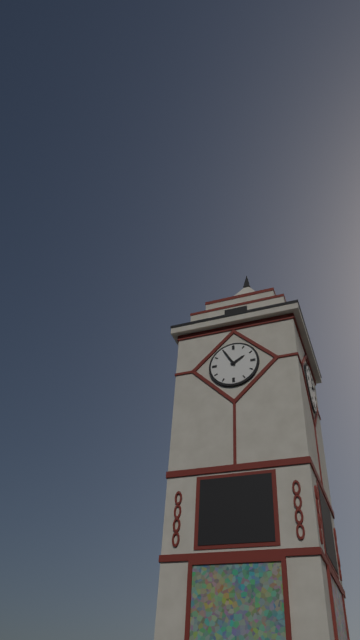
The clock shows h=1 m=55
